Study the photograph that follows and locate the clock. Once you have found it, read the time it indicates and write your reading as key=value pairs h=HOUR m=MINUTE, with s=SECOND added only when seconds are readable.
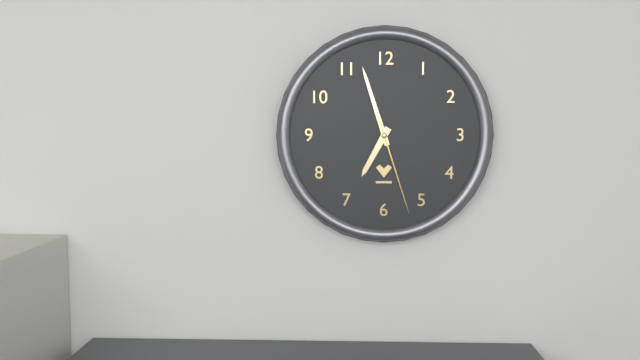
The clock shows h=6 m=57 s=27
